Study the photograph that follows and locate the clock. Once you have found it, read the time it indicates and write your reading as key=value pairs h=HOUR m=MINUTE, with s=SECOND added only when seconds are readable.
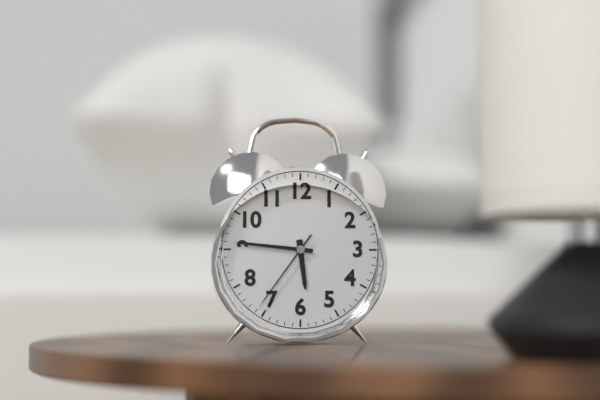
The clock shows h=5 m=46 s=36
